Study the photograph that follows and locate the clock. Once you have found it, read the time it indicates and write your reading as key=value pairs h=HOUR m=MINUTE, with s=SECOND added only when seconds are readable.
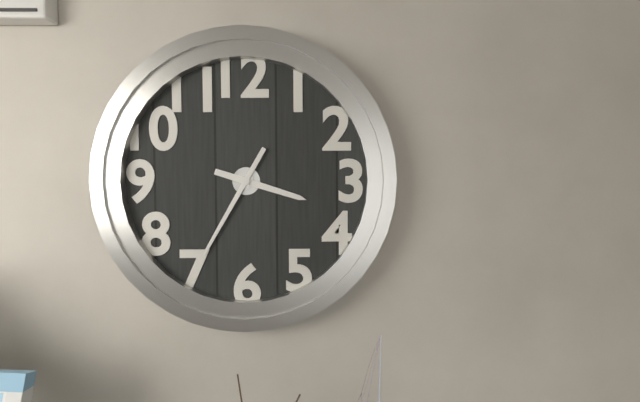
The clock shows h=3 m=35
